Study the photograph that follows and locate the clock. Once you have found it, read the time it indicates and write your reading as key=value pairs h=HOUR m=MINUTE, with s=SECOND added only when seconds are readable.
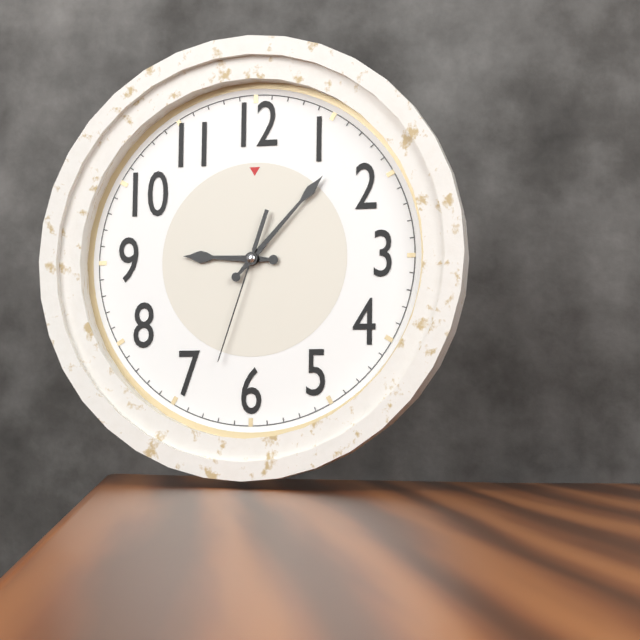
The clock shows h=9 m=7 s=33
